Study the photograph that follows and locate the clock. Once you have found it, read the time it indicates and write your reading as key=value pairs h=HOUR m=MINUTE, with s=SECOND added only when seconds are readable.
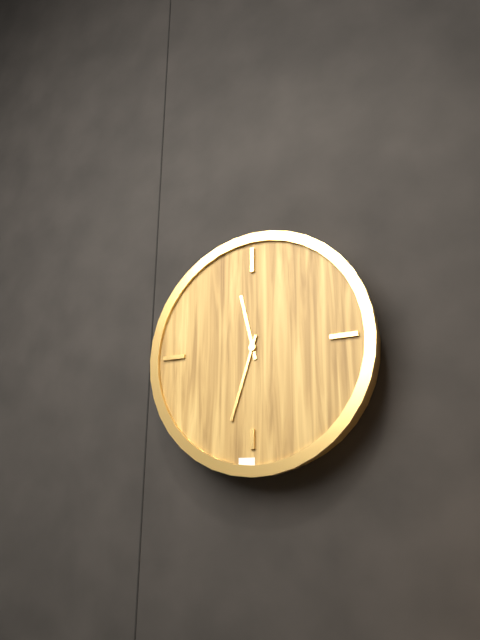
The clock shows h=11 m=33
